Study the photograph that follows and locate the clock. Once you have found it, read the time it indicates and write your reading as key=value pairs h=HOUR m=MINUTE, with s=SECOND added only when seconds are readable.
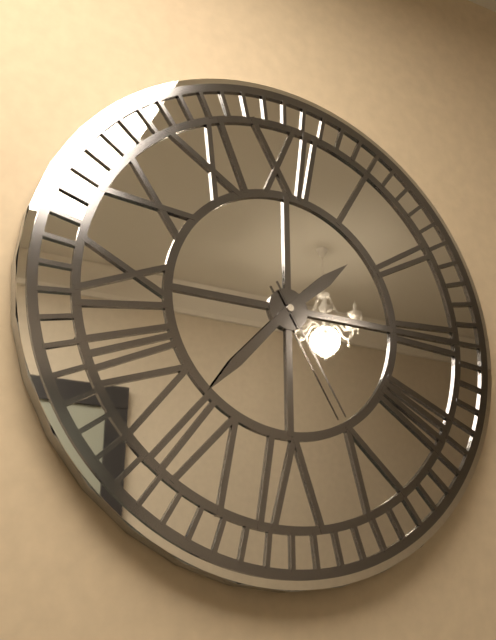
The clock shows h=1 m=37 s=25
